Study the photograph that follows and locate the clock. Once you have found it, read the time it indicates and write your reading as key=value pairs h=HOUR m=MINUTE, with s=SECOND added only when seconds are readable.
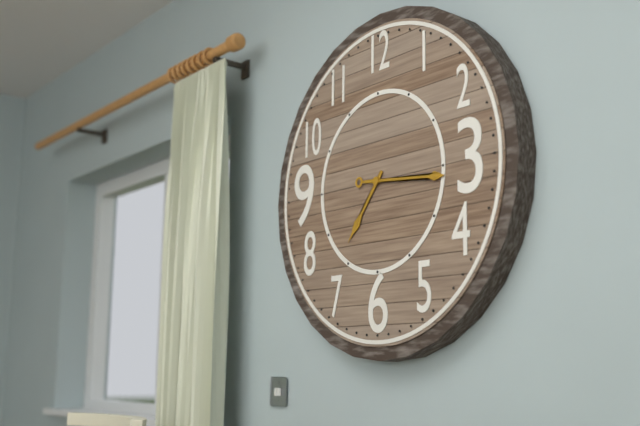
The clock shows h=7 m=16
